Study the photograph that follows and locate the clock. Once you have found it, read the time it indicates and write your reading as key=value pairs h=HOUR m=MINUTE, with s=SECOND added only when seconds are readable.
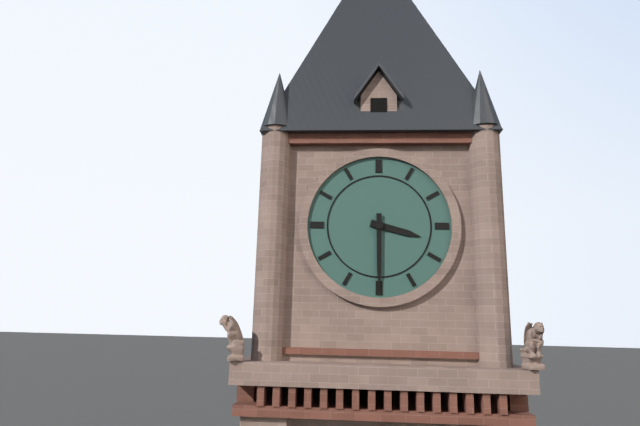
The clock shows h=3 m=30
